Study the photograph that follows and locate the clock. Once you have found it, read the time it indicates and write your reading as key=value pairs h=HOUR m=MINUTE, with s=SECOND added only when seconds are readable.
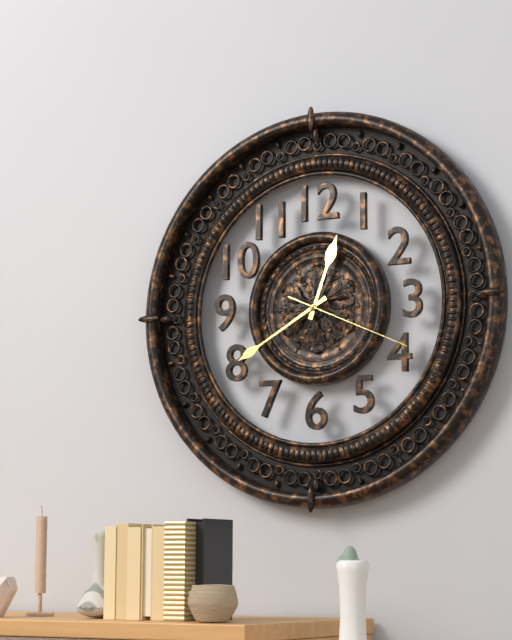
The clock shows h=12 m=40 s=19
